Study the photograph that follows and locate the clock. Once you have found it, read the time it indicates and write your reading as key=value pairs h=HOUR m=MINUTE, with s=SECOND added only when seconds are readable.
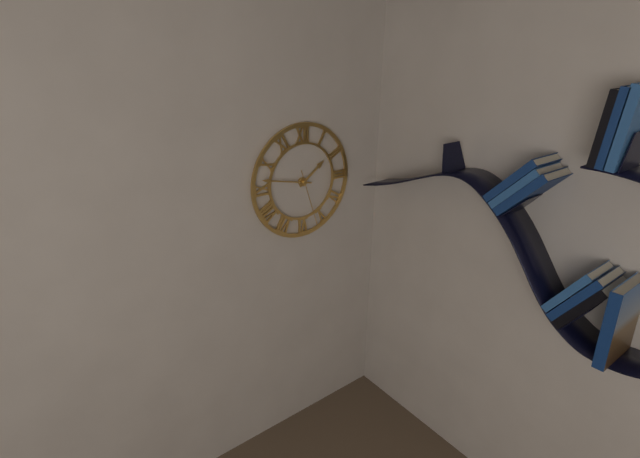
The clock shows h=1 m=47 s=27
